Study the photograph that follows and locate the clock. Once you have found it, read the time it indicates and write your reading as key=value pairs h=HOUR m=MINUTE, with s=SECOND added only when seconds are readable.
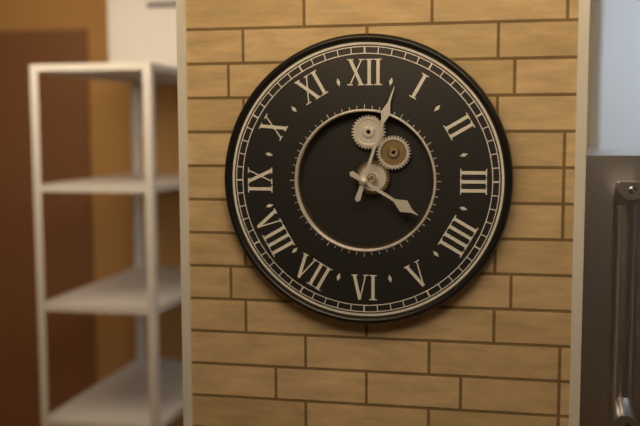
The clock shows h=4 m=3
